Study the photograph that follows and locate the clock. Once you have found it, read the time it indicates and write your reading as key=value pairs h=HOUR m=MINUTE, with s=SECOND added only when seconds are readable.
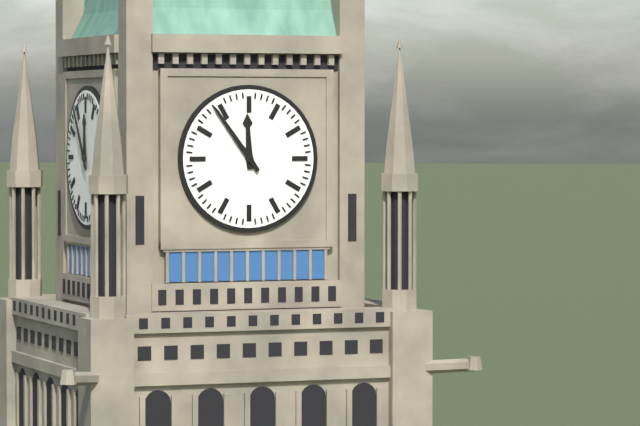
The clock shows h=11 m=54
